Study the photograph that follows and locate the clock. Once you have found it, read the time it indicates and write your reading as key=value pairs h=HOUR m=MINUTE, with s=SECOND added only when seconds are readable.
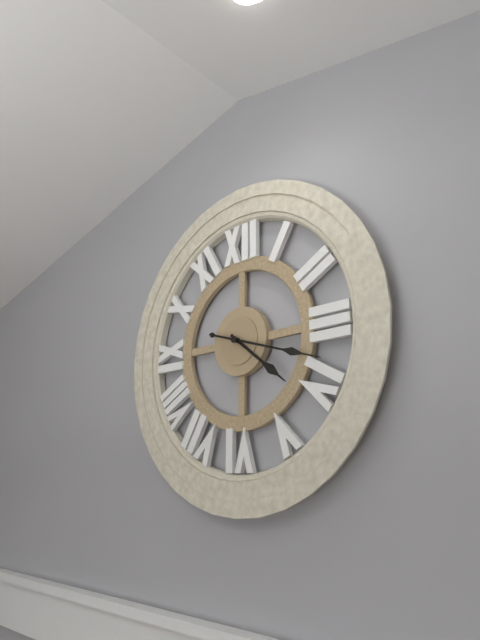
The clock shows h=4 m=18
